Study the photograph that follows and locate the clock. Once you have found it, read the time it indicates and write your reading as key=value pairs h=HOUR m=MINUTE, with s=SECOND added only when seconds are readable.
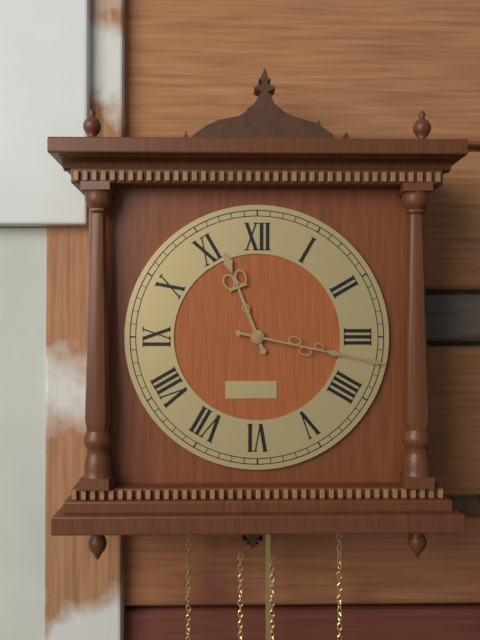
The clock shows h=11 m=17
